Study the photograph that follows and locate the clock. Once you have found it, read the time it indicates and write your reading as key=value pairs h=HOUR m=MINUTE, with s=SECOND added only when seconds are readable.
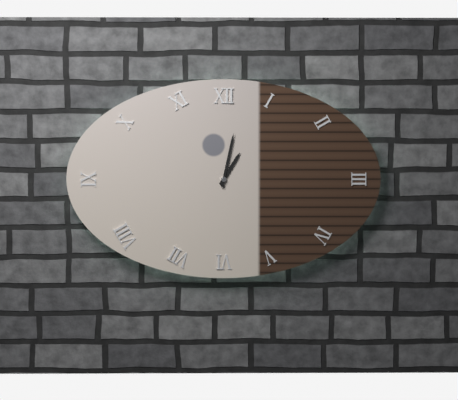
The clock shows h=1 m=2
